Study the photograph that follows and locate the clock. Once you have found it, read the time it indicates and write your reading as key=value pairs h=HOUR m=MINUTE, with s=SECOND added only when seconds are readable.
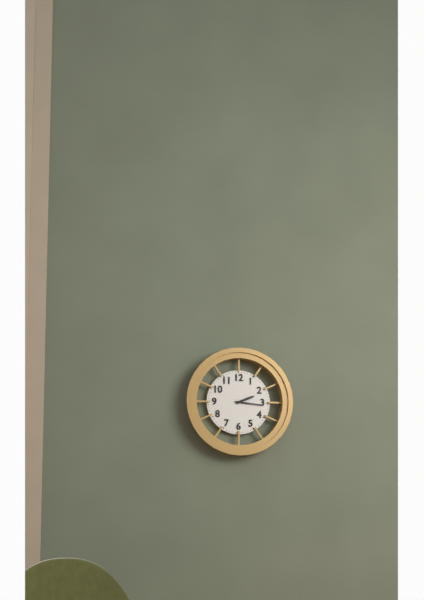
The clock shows h=2 m=16
